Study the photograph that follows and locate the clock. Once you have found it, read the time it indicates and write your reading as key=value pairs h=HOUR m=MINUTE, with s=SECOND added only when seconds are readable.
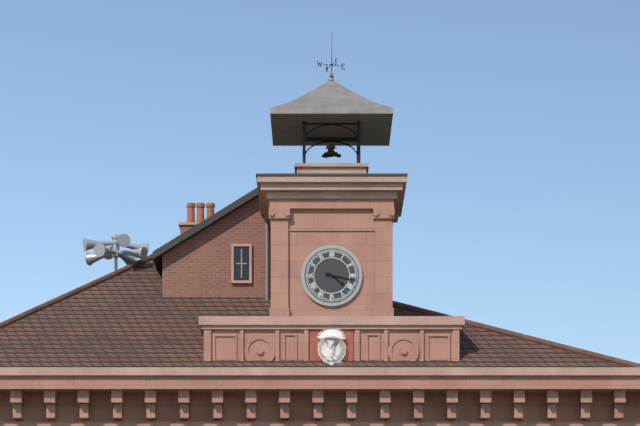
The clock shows h=4 m=17
